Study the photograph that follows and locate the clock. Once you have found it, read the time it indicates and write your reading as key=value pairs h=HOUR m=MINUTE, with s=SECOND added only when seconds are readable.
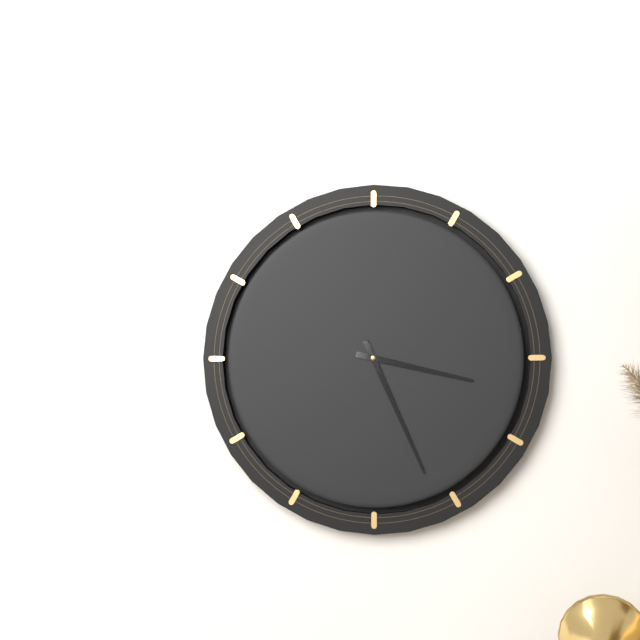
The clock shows h=3 m=26
